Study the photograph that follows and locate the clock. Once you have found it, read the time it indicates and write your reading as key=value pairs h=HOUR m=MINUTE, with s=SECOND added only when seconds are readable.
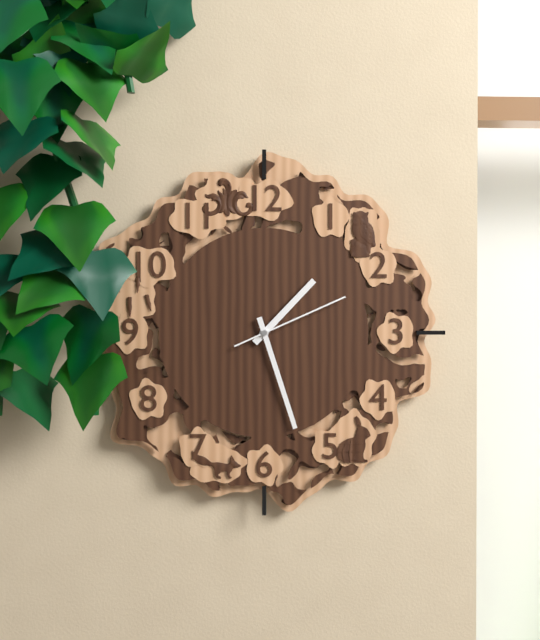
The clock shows h=1 m=27 s=11
